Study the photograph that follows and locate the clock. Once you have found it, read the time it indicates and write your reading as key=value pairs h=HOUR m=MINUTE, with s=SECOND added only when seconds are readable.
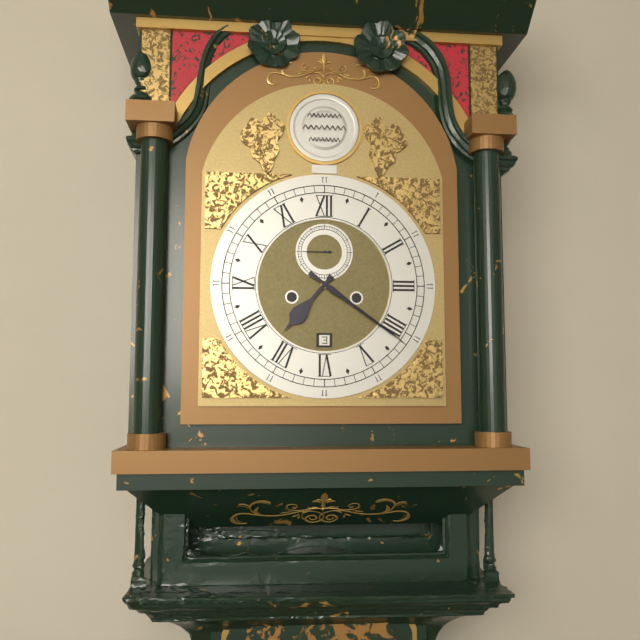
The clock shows h=7 m=21
